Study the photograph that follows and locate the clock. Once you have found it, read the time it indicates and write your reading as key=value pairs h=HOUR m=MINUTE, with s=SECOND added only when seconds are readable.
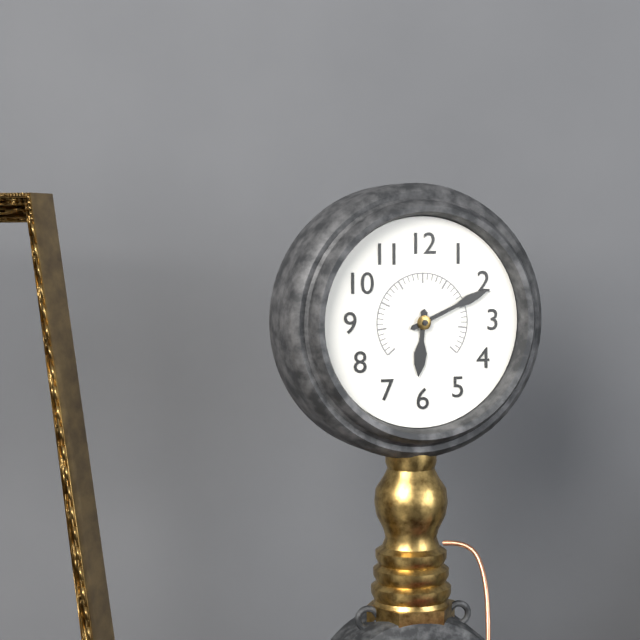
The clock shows h=6 m=11
